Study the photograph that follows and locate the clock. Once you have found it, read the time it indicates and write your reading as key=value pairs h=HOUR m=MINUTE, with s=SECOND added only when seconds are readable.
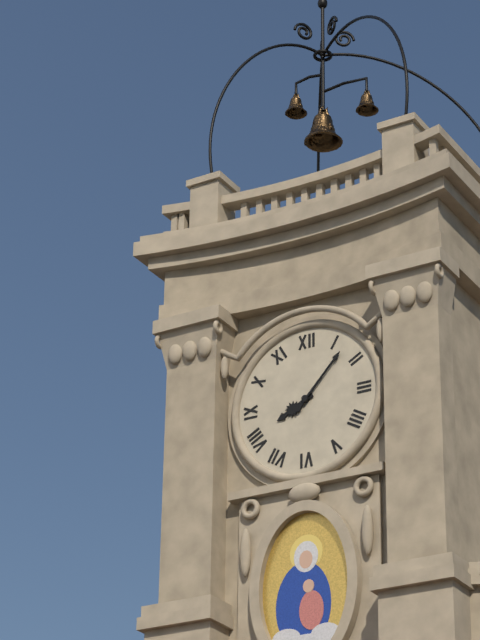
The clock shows h=8 m=7
